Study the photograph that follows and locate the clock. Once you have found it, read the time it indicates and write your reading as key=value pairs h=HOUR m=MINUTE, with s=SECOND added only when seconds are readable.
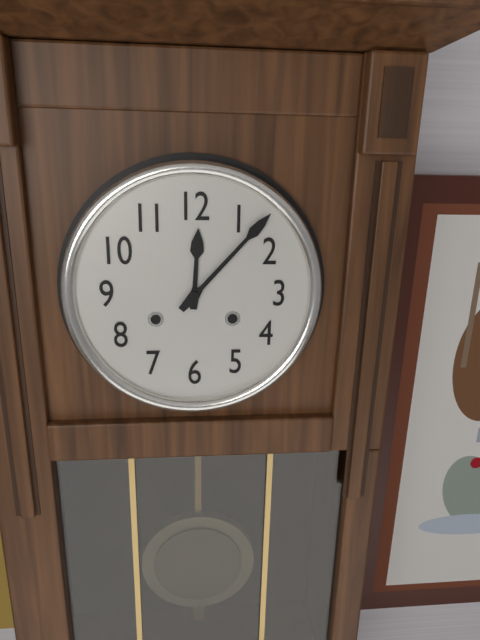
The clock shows h=12 m=7
